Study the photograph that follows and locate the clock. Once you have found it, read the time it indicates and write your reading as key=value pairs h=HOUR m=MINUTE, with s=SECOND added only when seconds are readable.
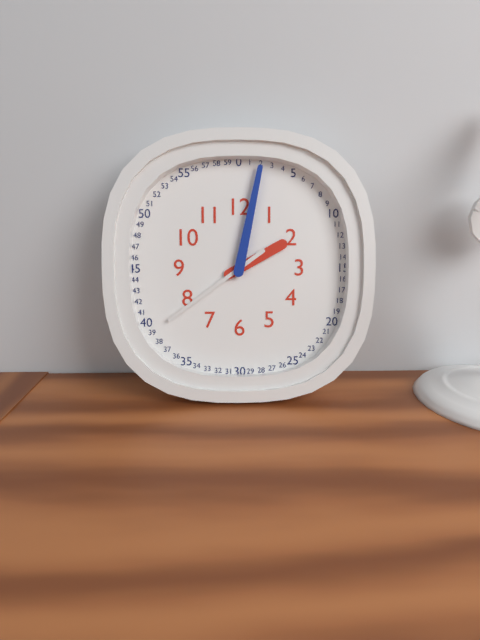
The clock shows h=2 m=2 s=39
